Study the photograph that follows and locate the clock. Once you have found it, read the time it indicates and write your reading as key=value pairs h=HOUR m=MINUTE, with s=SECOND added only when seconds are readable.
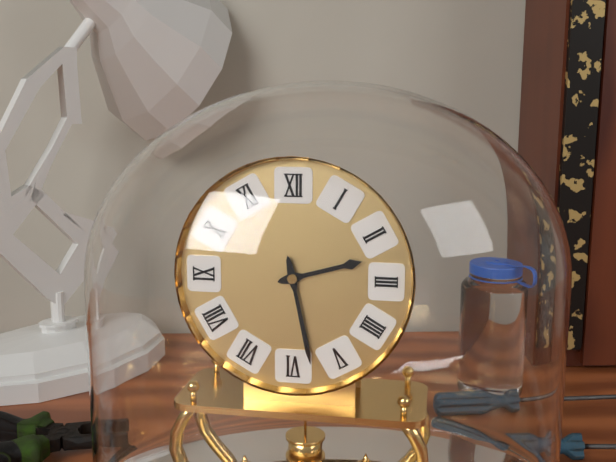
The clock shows h=2 m=28
